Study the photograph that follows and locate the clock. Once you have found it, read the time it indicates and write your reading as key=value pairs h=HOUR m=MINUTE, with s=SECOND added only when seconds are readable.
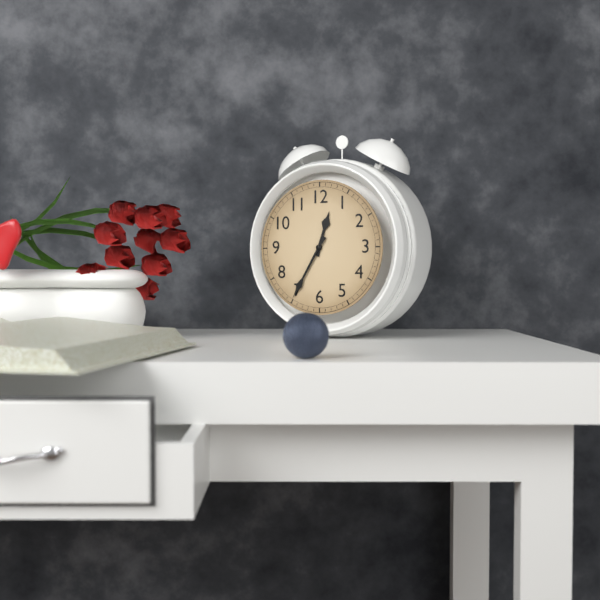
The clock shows h=12 m=35
